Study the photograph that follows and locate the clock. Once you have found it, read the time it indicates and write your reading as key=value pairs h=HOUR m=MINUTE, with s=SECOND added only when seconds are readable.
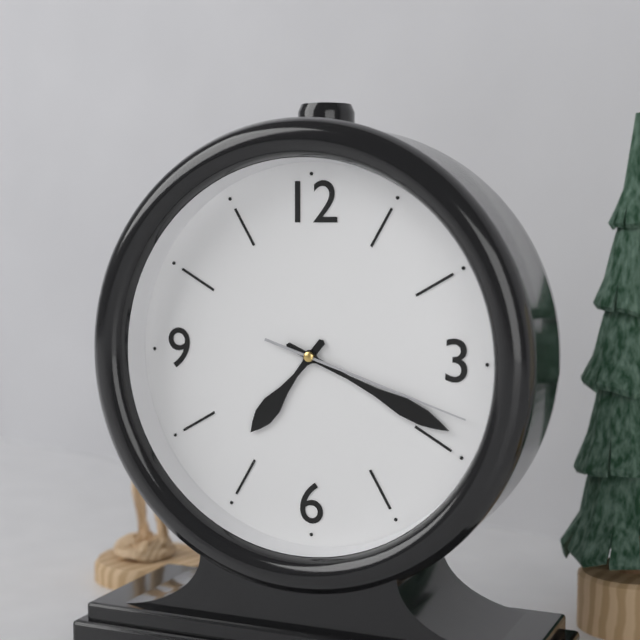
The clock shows h=7 m=19 s=18
